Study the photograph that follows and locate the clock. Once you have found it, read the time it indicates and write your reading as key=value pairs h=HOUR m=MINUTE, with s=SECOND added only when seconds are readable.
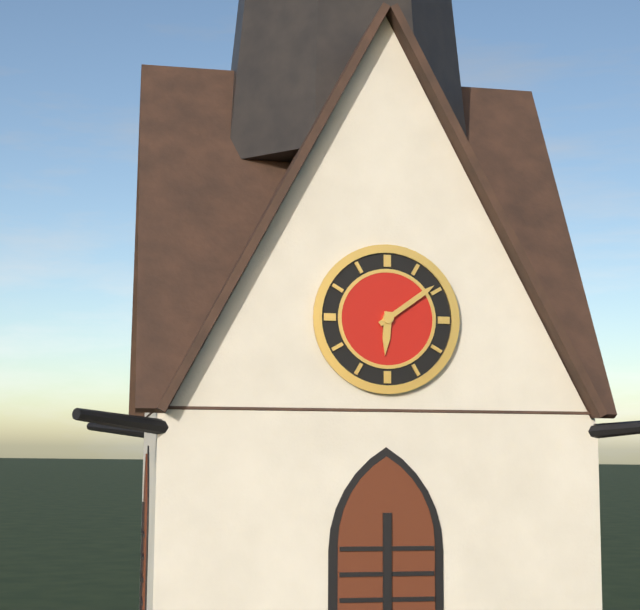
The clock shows h=6 m=9
